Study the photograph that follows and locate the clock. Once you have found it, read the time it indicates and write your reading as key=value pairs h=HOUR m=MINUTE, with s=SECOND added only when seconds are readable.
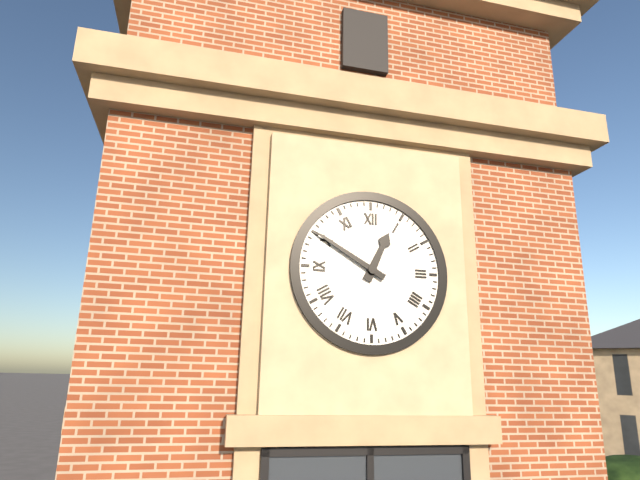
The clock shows h=12 m=50
